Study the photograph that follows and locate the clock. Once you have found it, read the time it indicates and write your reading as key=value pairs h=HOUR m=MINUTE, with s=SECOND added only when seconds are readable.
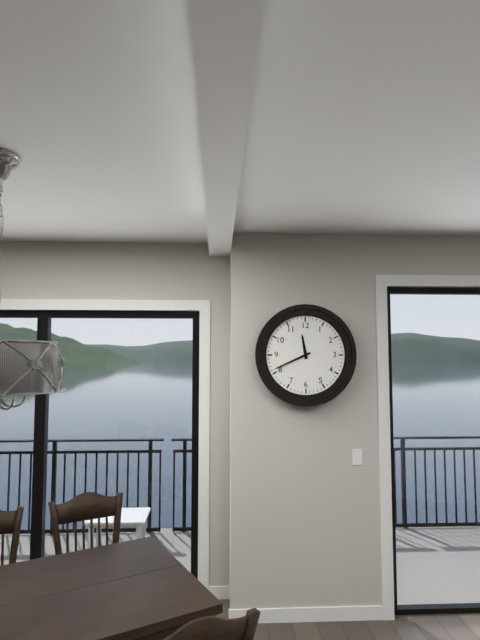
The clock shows h=11 m=41
